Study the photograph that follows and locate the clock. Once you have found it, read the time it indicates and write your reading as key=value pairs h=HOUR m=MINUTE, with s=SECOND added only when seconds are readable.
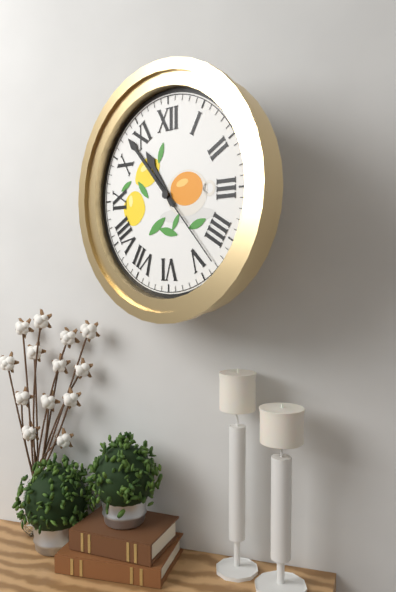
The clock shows h=10 m=53 s=23
